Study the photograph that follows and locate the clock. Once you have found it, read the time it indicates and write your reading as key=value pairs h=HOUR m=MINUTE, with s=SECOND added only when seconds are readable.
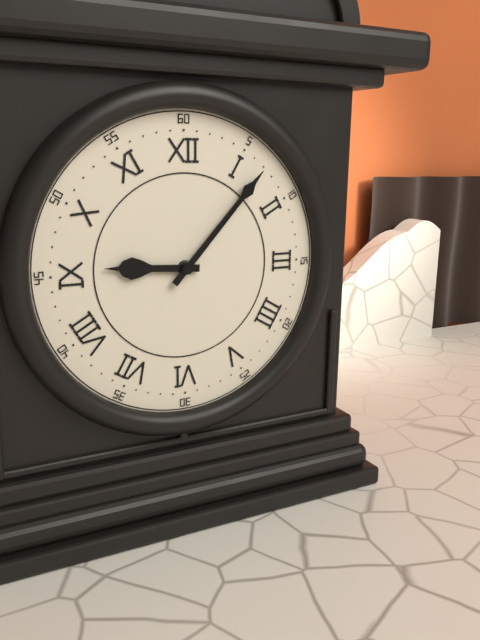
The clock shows h=9 m=7
